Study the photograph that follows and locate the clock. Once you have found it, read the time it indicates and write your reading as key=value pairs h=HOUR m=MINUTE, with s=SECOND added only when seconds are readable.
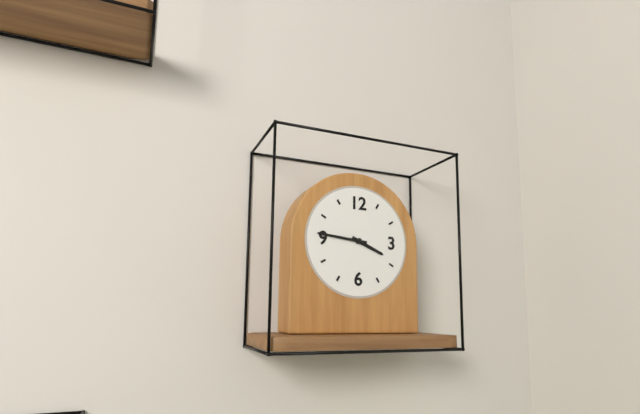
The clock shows h=3 m=46
